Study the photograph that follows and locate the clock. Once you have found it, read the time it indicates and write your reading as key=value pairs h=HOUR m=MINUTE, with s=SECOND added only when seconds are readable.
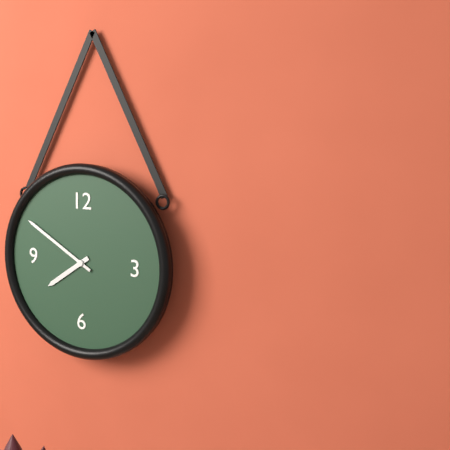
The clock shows h=7 m=50
